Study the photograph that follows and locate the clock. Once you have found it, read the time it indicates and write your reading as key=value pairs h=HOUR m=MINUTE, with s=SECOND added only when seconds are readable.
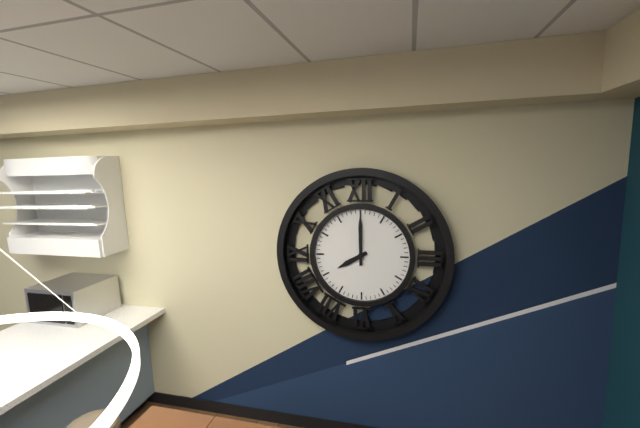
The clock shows h=8 m=0
